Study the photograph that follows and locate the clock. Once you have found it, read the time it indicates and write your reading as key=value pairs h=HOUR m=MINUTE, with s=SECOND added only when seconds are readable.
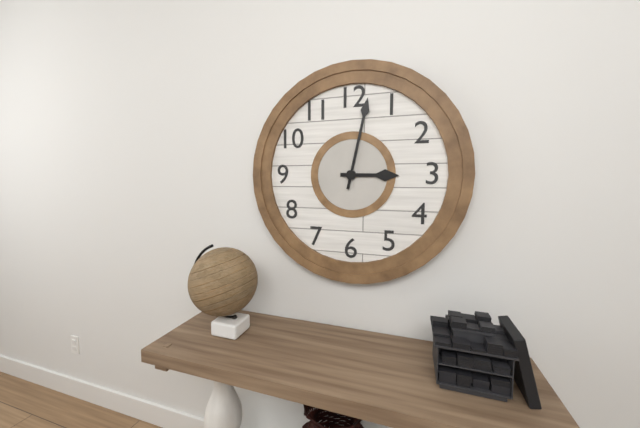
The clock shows h=3 m=2
